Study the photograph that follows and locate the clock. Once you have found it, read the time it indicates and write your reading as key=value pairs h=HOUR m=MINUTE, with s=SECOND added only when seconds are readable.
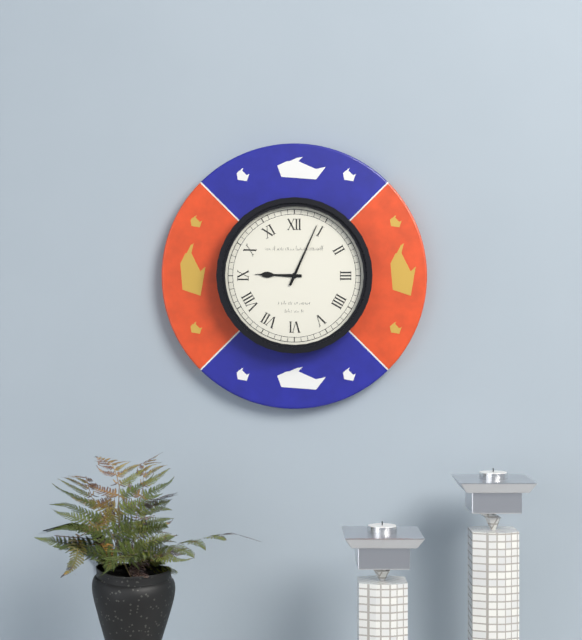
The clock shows h=9 m=4
